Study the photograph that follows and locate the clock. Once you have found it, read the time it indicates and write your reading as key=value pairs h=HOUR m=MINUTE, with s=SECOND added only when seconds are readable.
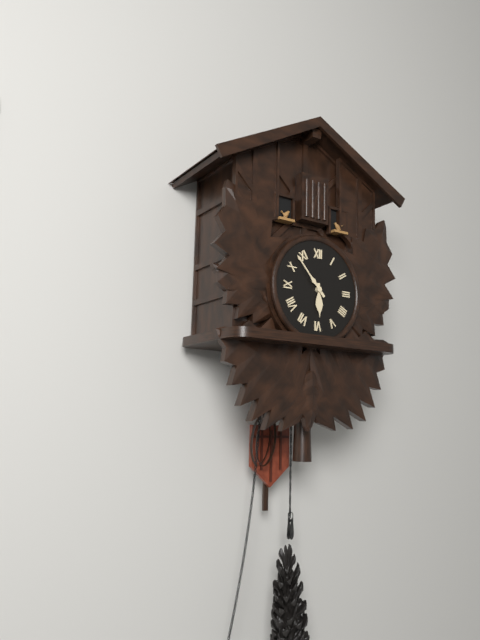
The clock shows h=5 m=53
